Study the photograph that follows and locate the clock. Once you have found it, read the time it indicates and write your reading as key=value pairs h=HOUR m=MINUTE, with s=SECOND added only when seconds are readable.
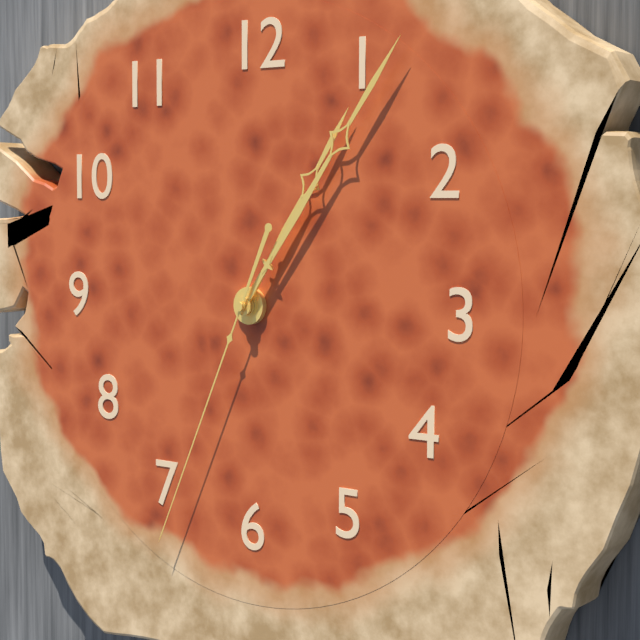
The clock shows h=1 m=6 s=34
